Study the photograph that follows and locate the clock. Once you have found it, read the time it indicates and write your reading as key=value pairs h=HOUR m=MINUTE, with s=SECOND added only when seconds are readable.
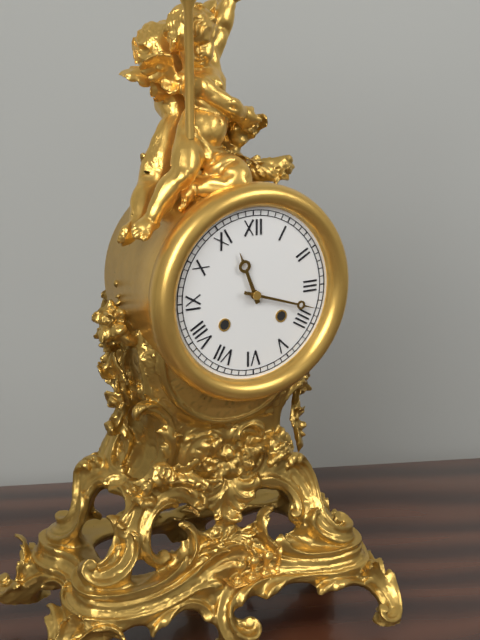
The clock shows h=11 m=18
